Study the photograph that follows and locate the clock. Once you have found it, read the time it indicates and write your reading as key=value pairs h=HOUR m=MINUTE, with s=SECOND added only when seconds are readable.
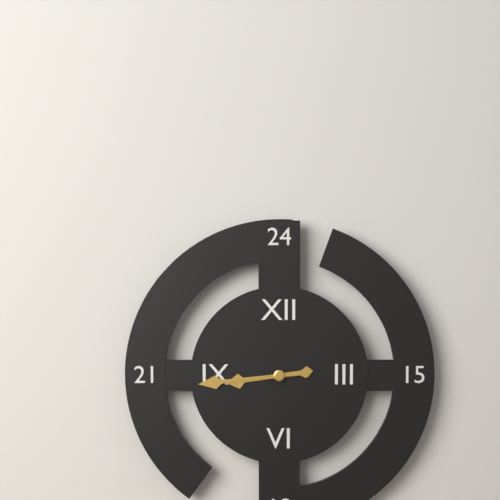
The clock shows h=8 m=44
